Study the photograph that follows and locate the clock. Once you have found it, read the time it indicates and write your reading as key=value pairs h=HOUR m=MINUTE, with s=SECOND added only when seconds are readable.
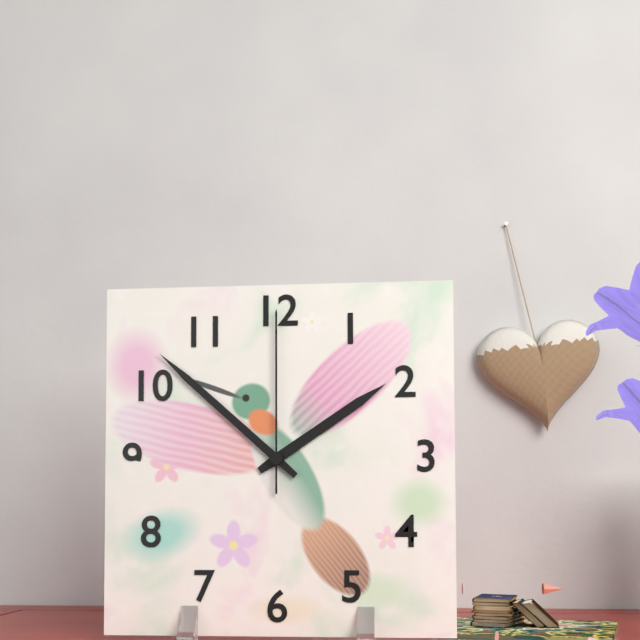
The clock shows h=1 m=52 s=0
